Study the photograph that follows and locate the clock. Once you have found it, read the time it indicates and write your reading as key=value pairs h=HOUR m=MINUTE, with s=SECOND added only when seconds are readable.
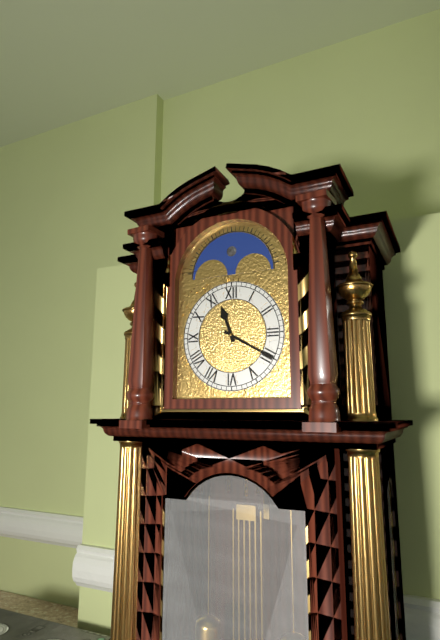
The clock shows h=11 m=20
